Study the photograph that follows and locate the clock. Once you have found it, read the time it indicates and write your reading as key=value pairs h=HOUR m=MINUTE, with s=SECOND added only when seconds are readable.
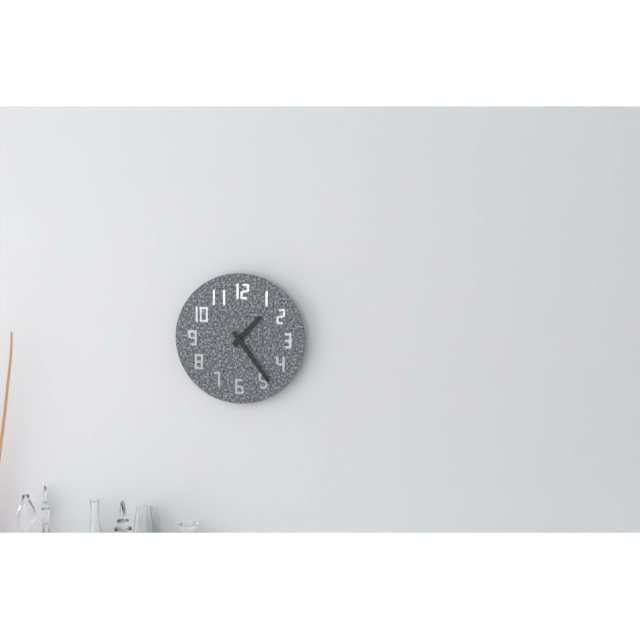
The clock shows h=1 m=24
